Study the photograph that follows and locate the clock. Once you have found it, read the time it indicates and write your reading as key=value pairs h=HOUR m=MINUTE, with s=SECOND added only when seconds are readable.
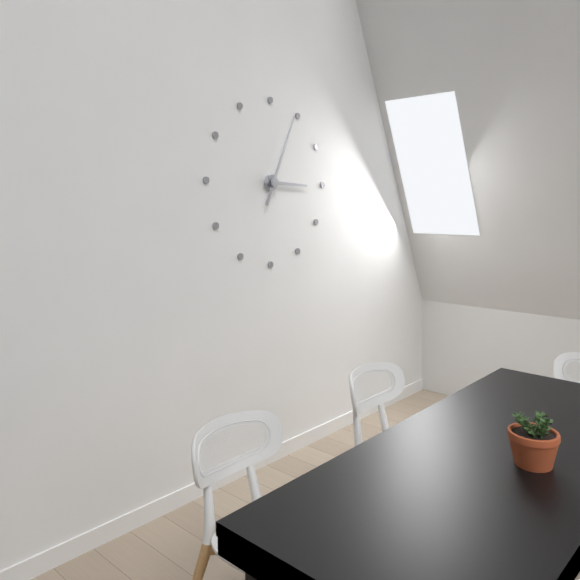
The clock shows h=3 m=4
